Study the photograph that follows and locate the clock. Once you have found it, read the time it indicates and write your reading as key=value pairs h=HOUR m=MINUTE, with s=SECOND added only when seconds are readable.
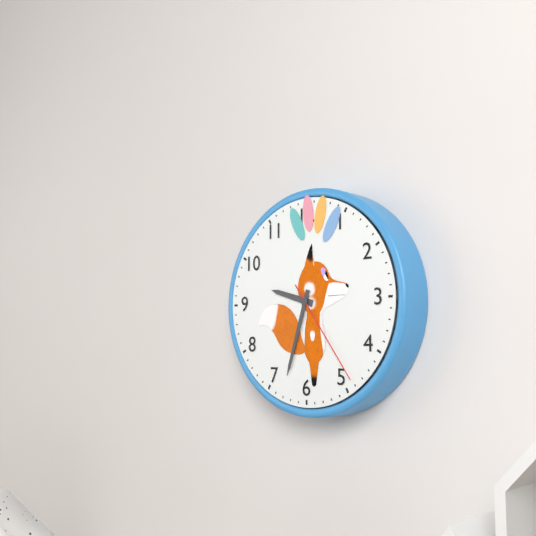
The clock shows h=9 m=33 s=24
